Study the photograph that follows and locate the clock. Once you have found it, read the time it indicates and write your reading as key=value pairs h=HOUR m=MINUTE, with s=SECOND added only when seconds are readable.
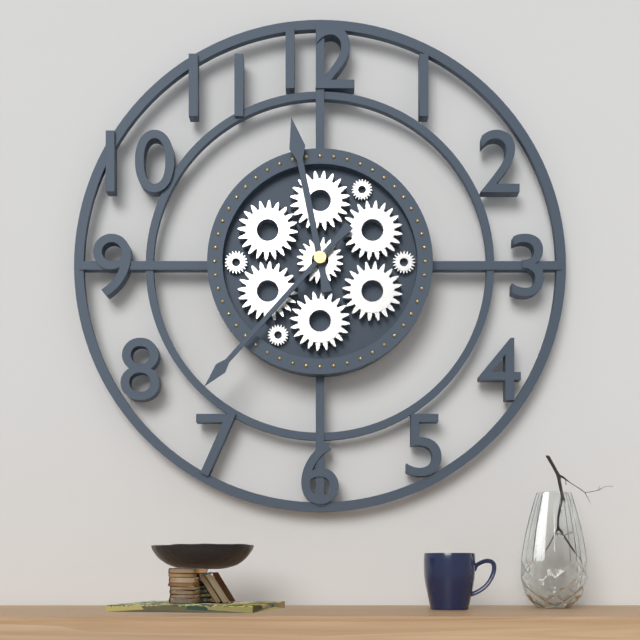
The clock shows h=11 m=37
